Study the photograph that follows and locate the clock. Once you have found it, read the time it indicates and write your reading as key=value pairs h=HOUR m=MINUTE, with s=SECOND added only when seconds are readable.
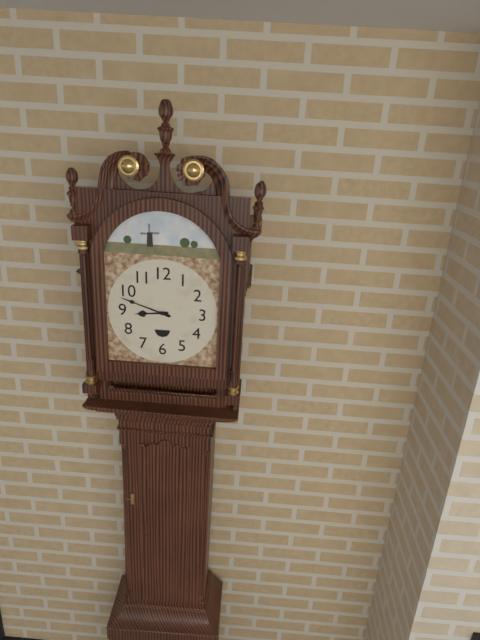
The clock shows h=8 m=48
